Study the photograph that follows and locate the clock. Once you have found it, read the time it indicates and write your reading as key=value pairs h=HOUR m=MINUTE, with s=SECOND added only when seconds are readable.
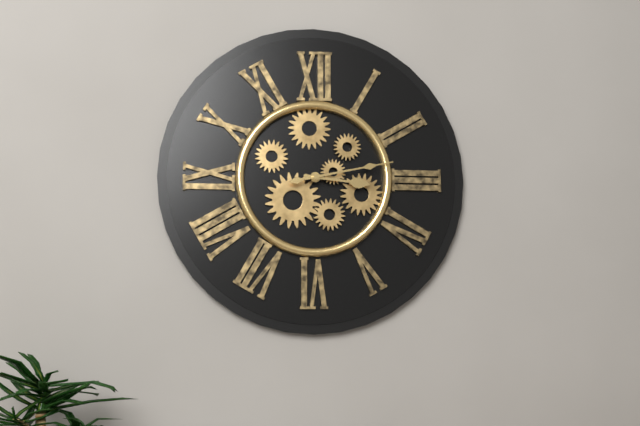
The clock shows h=3 m=13
